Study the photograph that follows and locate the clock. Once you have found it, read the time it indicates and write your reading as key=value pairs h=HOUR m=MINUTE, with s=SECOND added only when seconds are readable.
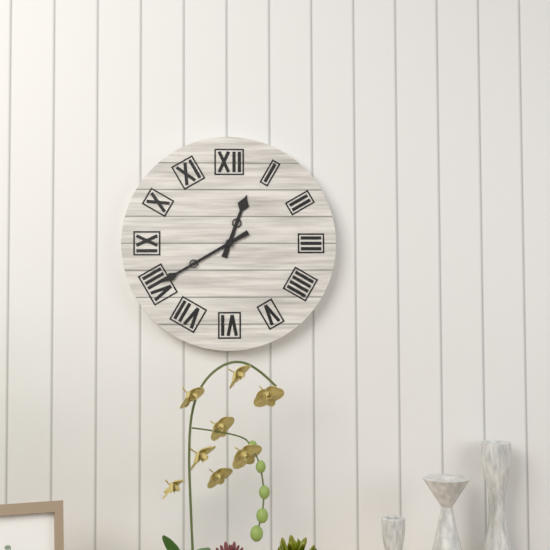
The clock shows h=12 m=40
